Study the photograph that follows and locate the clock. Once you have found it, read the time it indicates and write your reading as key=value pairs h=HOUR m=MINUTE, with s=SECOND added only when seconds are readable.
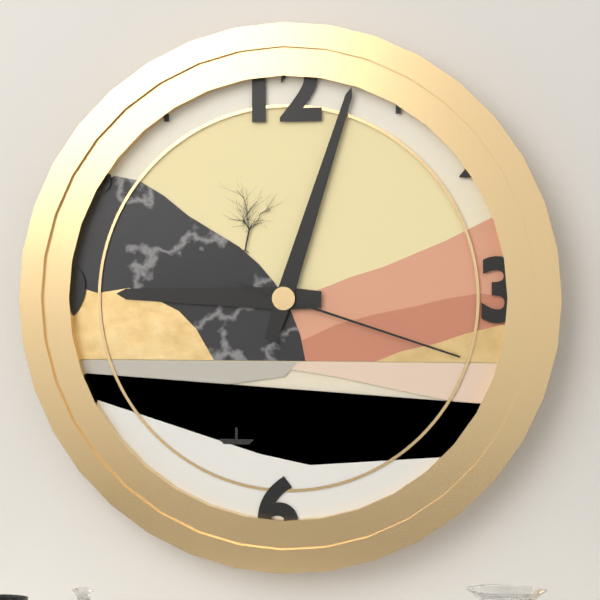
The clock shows h=9 m=3 s=18
